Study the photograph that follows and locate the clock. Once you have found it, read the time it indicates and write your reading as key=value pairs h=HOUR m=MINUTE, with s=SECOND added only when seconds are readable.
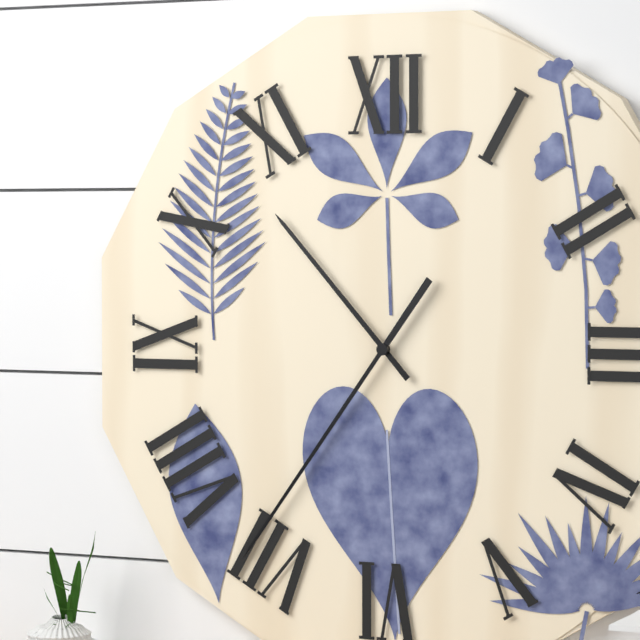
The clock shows h=10 m=36
